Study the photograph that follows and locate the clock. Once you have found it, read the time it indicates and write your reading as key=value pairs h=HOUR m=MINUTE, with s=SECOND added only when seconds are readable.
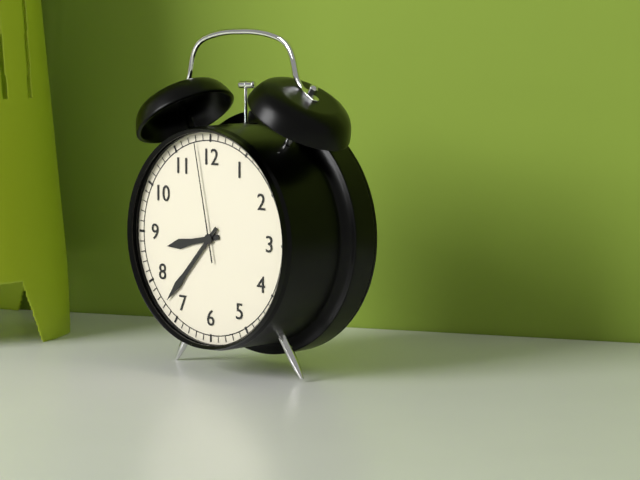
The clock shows h=8 m=37 s=58
